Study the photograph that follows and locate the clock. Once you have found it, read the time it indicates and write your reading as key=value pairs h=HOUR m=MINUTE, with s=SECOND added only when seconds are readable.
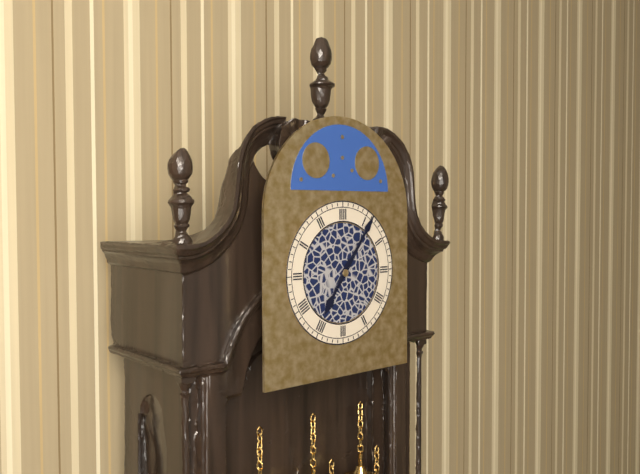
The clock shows h=7 m=6
